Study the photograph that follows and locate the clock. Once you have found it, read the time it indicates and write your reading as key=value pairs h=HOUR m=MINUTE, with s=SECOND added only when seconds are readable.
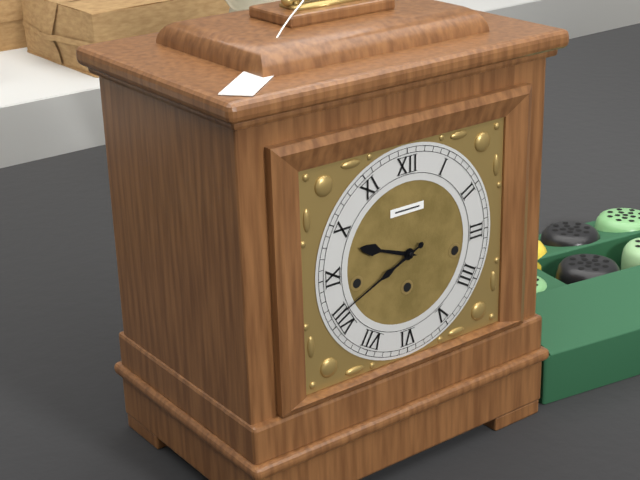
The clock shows h=9 m=41
